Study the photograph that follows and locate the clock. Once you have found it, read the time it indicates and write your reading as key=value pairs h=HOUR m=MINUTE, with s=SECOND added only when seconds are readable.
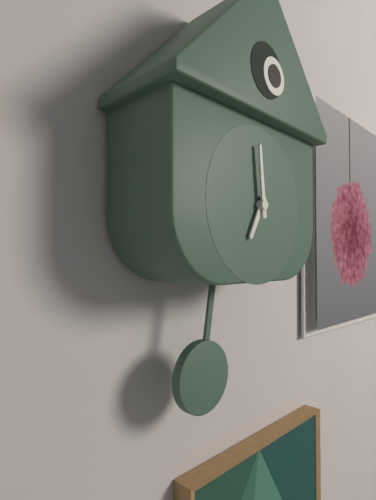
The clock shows h=6 m=59
